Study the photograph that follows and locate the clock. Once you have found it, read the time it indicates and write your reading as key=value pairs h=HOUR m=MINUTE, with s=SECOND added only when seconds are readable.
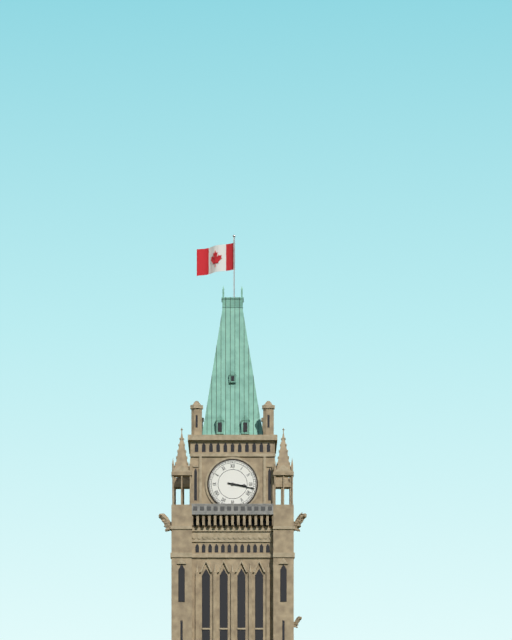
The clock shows h=3 m=17
